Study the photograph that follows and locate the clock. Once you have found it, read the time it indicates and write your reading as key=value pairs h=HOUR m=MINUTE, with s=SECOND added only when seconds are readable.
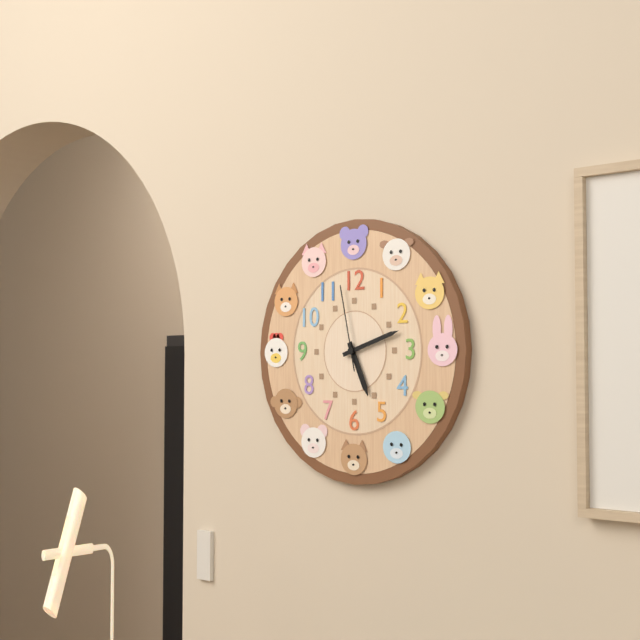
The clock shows h=5 m=12 s=58
